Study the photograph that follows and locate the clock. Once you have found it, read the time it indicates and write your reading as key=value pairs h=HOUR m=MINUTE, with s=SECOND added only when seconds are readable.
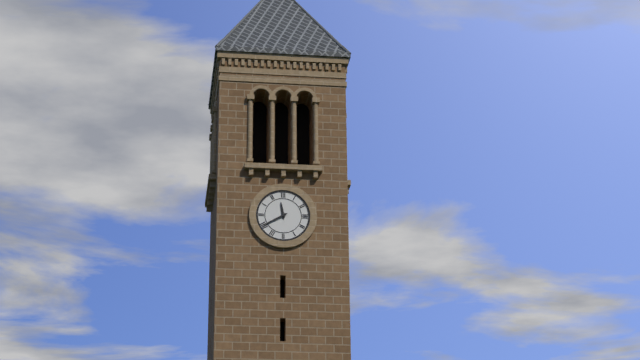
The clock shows h=11 m=40
